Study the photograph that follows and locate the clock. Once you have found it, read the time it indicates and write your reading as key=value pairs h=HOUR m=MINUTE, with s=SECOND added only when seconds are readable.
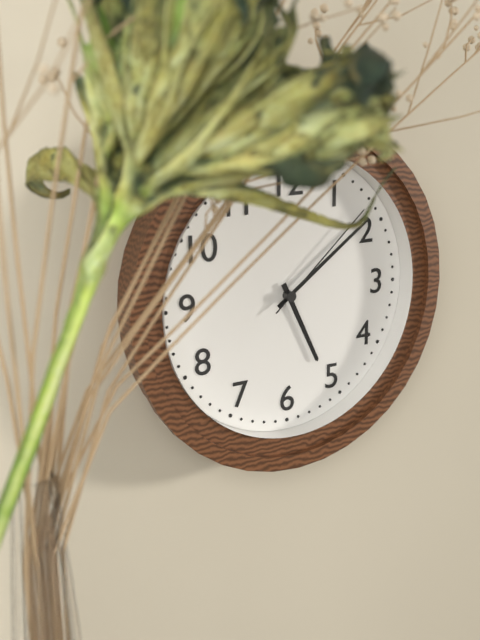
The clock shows h=5 m=9 s=8
